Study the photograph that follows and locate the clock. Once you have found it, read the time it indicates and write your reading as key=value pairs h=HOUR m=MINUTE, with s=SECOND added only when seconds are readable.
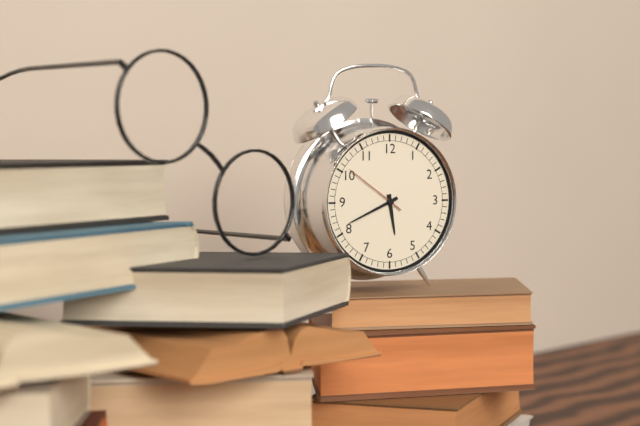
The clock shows h=5 m=41 s=51
